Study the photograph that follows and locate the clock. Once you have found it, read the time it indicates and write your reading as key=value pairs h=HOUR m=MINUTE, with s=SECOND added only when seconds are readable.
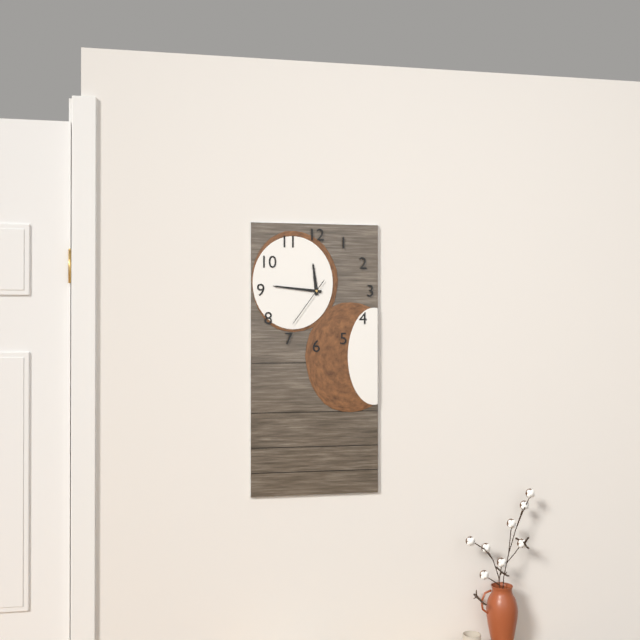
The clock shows h=11 m=46 s=36
